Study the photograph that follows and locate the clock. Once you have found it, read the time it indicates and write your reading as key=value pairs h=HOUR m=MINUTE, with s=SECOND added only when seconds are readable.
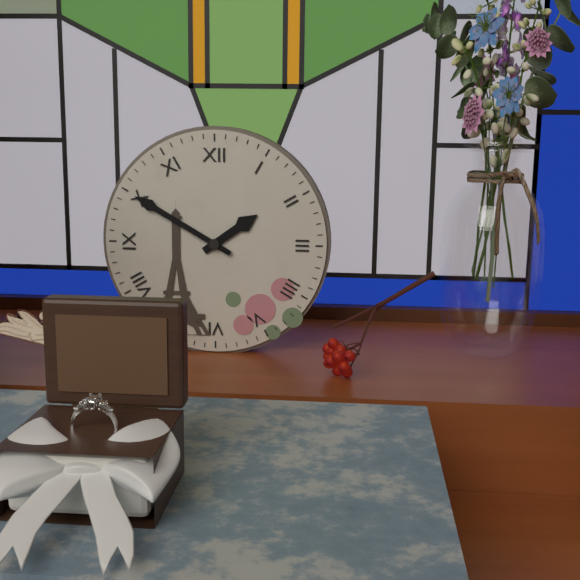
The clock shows h=1 m=50
